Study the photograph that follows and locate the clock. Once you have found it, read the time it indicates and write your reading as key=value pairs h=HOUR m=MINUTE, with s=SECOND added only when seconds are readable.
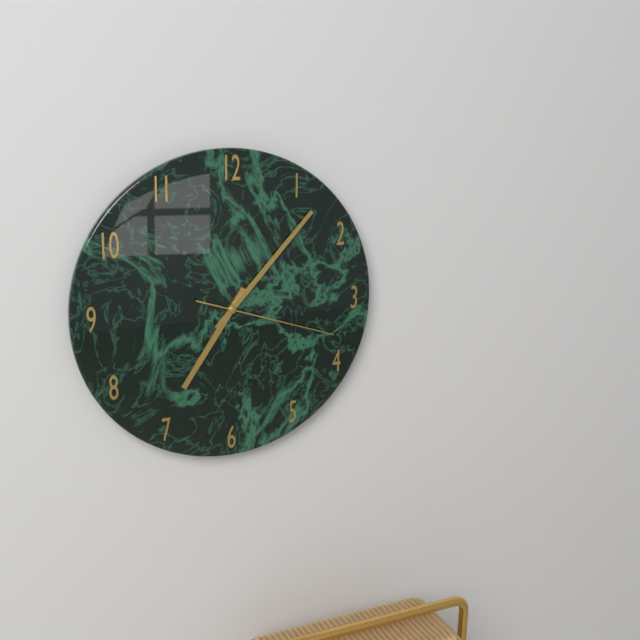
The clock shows h=7 m=7 s=18
